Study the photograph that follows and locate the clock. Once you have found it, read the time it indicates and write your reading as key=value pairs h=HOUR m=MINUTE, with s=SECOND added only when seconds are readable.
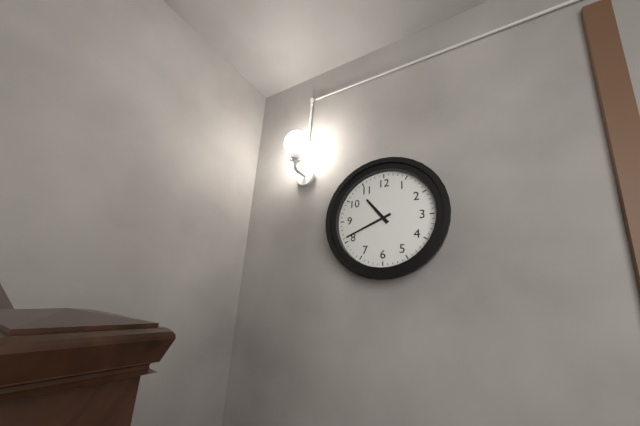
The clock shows h=10 m=41
